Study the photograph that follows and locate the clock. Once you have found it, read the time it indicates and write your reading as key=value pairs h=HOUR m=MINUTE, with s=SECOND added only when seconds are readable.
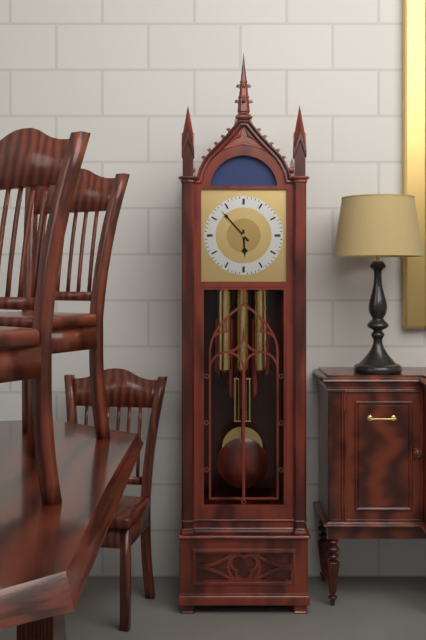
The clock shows h=5 m=53
